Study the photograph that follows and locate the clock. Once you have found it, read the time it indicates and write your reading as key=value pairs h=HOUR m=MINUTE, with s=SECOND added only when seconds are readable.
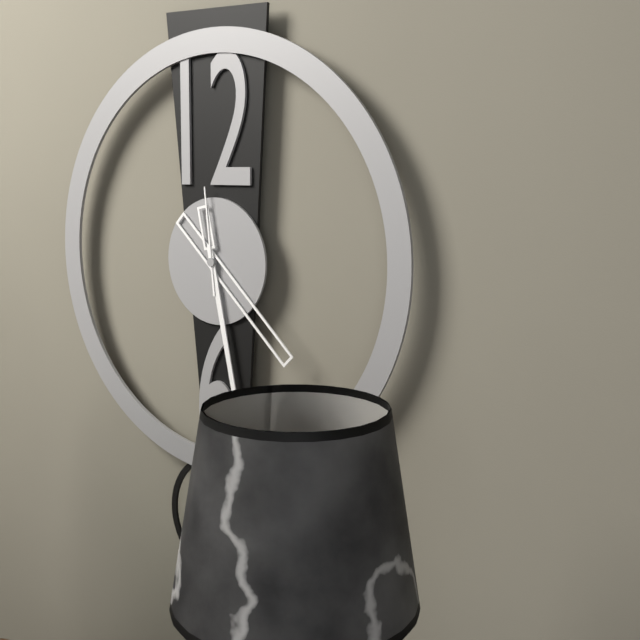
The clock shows h=4 m=28 s=59
